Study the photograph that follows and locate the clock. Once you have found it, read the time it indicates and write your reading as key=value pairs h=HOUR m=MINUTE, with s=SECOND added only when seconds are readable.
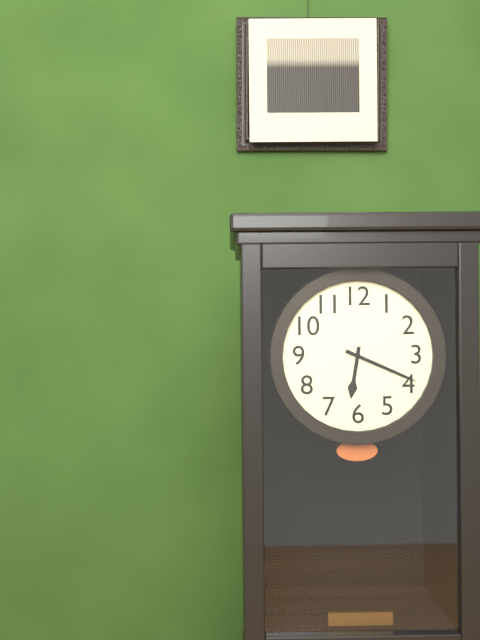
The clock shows h=6 m=19
